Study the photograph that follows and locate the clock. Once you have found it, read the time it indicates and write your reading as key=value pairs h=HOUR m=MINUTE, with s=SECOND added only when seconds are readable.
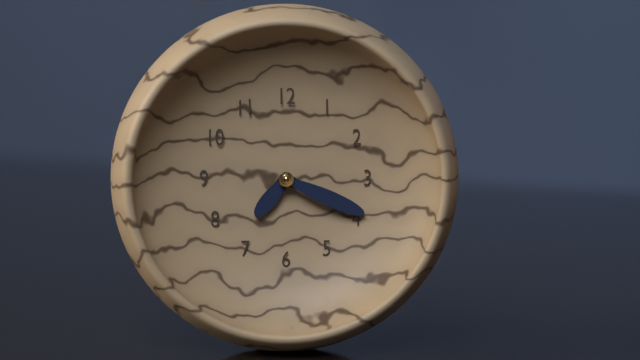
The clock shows h=7 m=19
